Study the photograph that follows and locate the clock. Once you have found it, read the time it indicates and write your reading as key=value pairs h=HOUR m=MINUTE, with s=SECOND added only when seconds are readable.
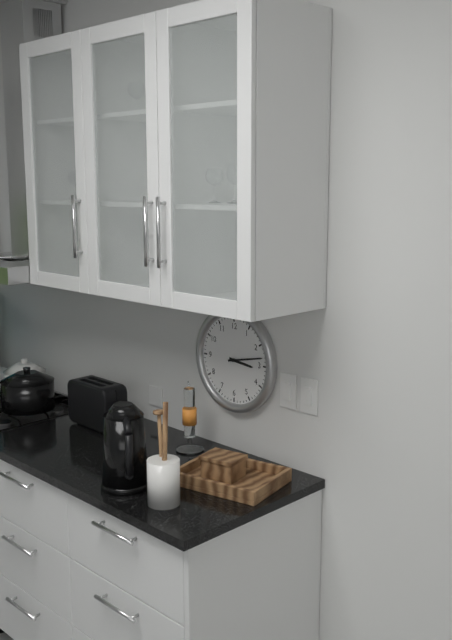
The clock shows h=3 m=13
